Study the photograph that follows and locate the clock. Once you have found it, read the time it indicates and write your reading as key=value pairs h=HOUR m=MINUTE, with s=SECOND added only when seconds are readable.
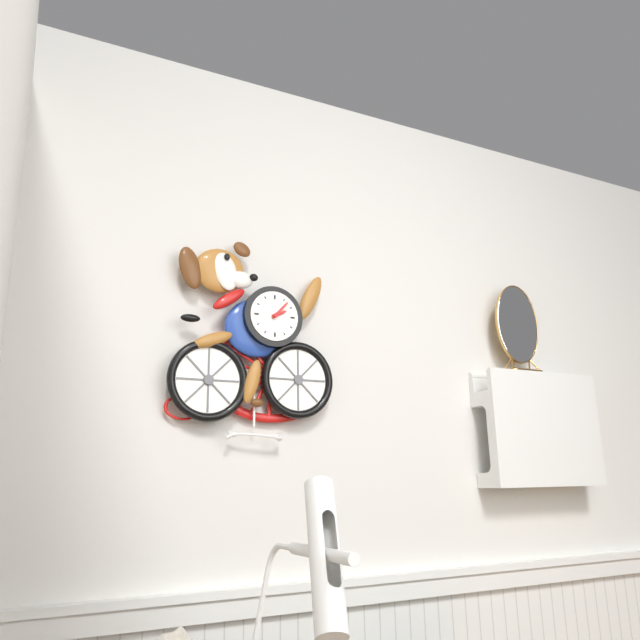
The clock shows h=2 m=7
